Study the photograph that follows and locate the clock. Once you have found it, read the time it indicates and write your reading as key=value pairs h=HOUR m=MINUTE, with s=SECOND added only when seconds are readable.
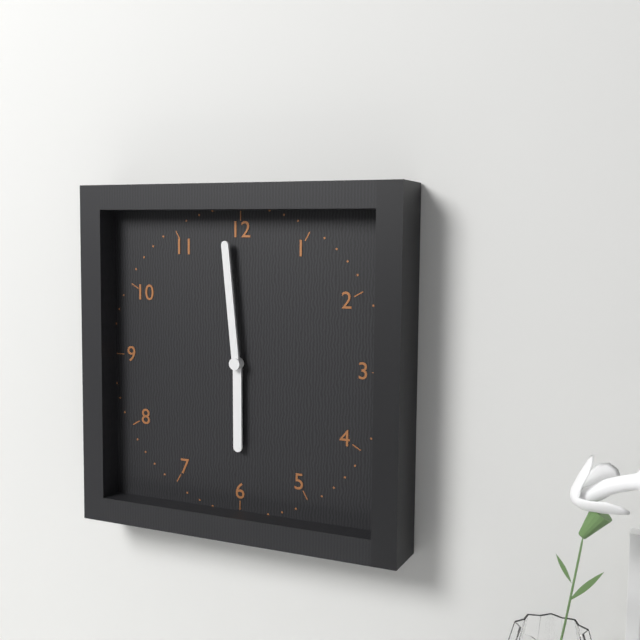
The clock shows h=5 m=59
